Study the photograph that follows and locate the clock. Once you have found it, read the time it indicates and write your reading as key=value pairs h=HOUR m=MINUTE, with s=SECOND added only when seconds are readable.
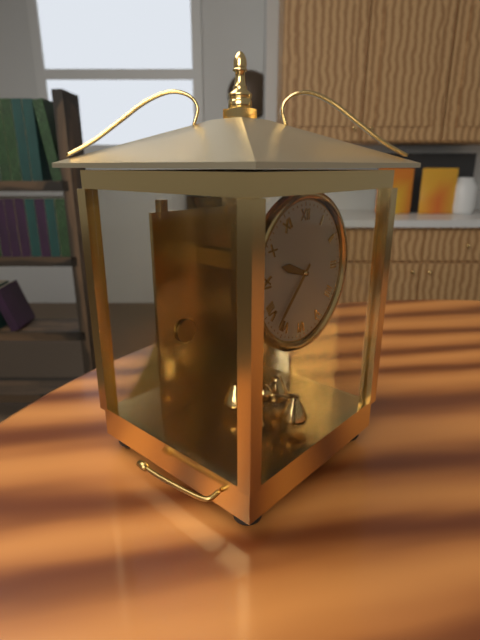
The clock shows h=9 m=37
